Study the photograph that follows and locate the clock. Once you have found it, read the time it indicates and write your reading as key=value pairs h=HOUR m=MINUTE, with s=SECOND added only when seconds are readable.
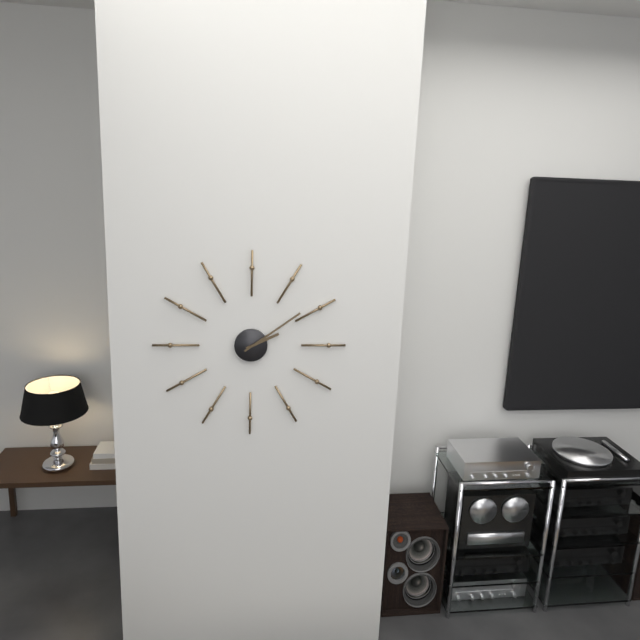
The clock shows h=2 m=9
